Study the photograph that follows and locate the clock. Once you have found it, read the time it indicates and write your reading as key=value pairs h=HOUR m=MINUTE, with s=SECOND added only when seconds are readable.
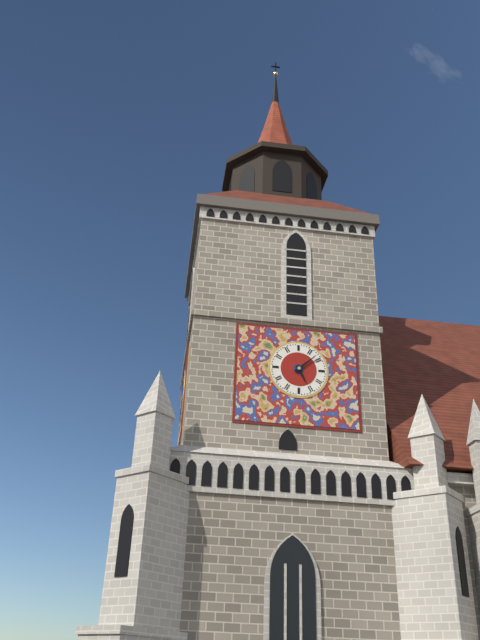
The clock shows h=5 m=8
